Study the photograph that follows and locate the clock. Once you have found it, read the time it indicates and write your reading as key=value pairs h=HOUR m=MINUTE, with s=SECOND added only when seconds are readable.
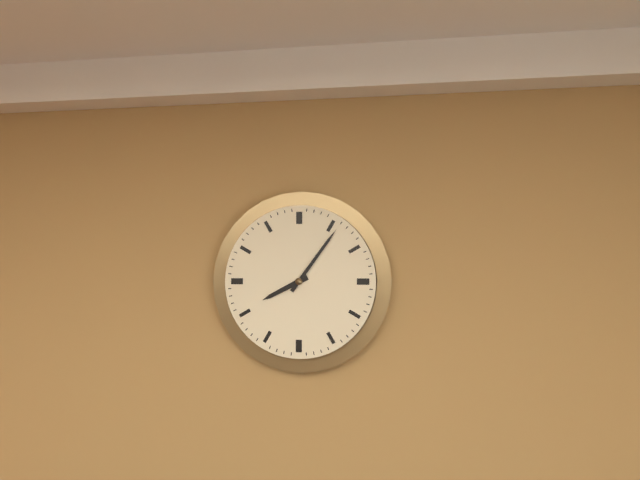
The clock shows h=8 m=6
